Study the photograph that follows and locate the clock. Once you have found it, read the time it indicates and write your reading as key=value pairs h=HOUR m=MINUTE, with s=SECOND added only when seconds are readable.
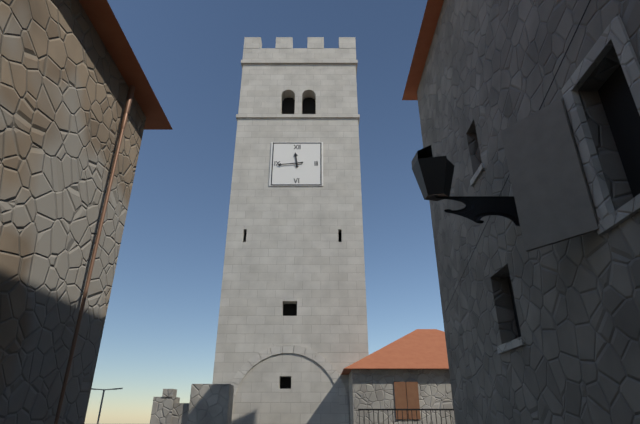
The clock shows h=11 m=44
